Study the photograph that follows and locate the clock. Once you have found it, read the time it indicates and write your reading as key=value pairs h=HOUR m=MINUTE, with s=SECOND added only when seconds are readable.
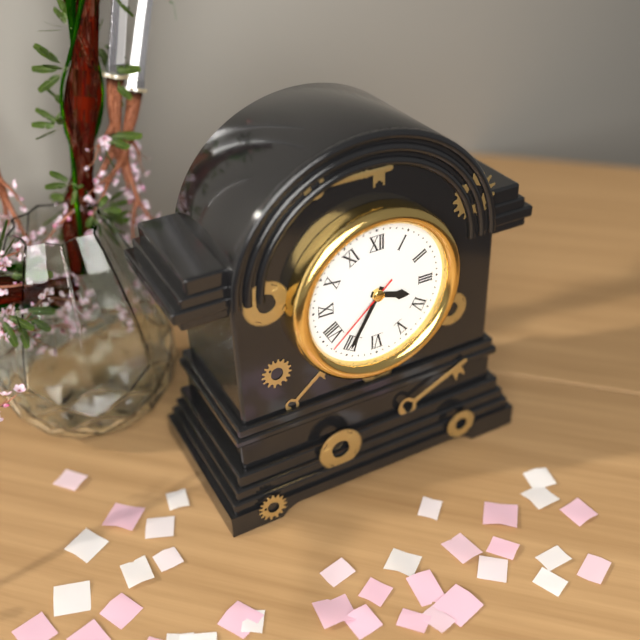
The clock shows h=3 m=35 s=38
